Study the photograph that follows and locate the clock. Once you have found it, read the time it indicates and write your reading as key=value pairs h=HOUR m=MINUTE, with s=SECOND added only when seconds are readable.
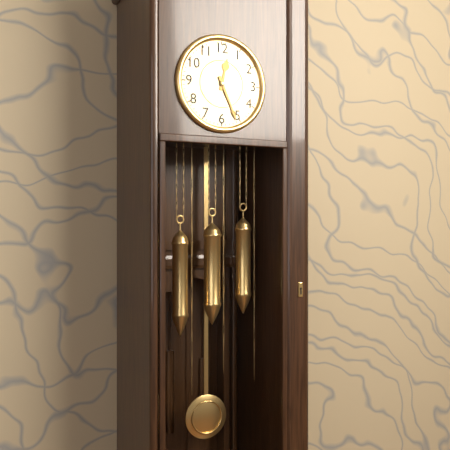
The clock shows h=12 m=26
